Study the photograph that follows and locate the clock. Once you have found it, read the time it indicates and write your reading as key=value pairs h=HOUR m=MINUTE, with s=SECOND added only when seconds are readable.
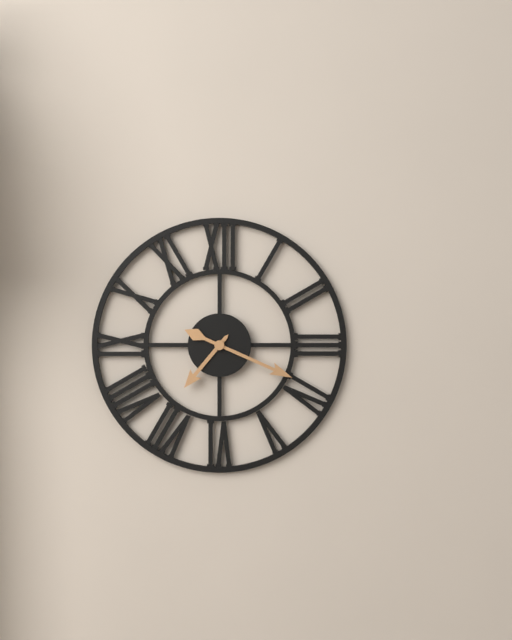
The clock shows h=7 m=19
